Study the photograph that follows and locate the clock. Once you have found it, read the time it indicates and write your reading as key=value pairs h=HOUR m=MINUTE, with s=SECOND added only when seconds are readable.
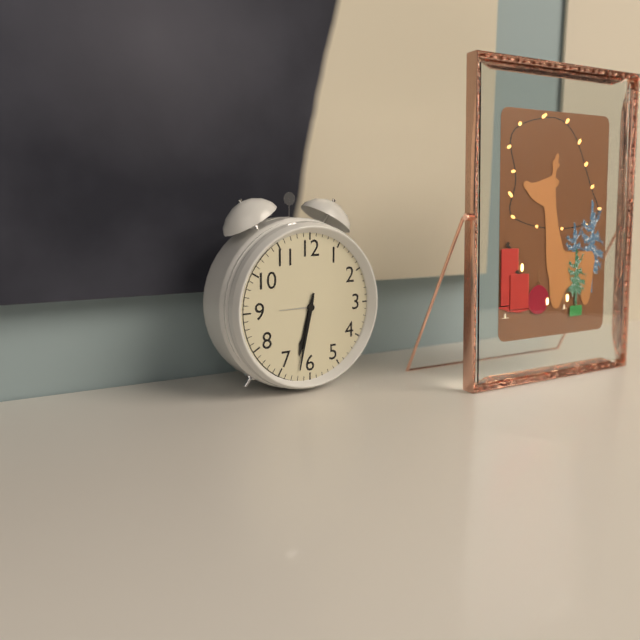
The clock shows h=6 m=32
